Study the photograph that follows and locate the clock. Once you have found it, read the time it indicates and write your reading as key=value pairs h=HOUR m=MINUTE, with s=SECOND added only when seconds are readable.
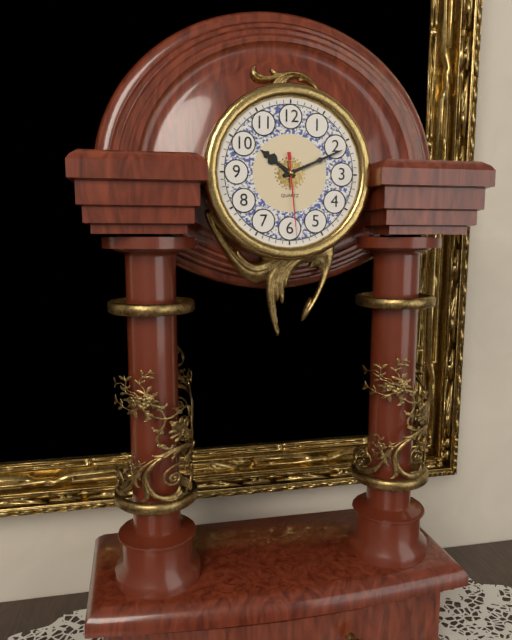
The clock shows h=10 m=11 s=29
